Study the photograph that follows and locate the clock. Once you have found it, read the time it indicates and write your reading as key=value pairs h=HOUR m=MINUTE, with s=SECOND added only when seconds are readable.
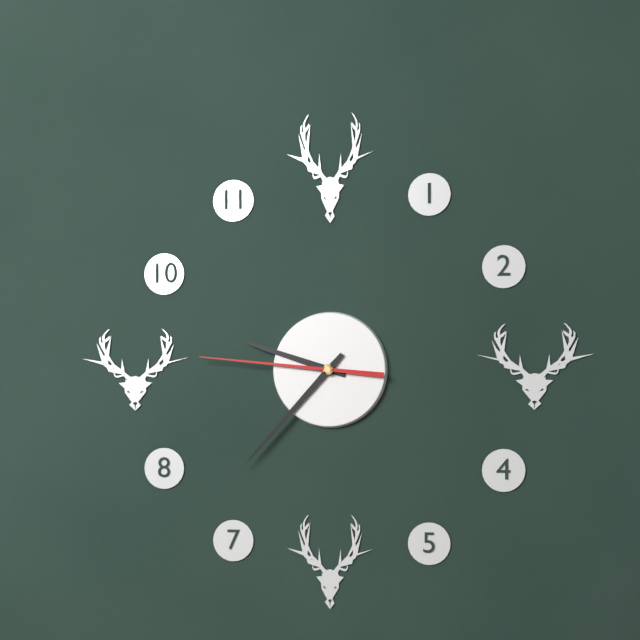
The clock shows h=9 m=37 s=46
